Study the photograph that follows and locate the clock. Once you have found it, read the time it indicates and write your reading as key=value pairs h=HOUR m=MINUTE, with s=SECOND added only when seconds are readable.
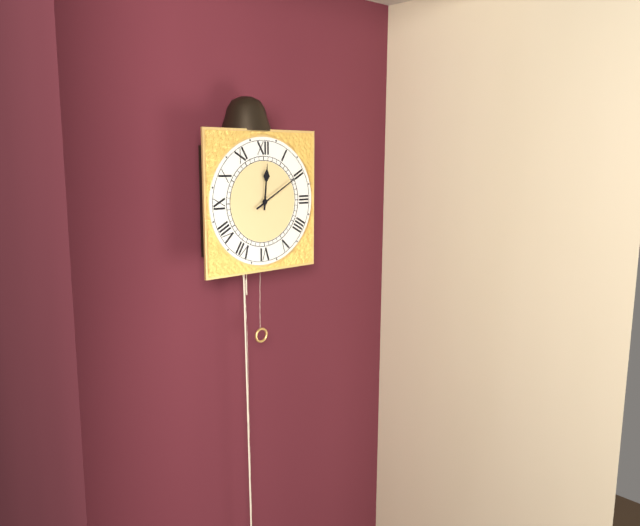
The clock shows h=12 m=10
